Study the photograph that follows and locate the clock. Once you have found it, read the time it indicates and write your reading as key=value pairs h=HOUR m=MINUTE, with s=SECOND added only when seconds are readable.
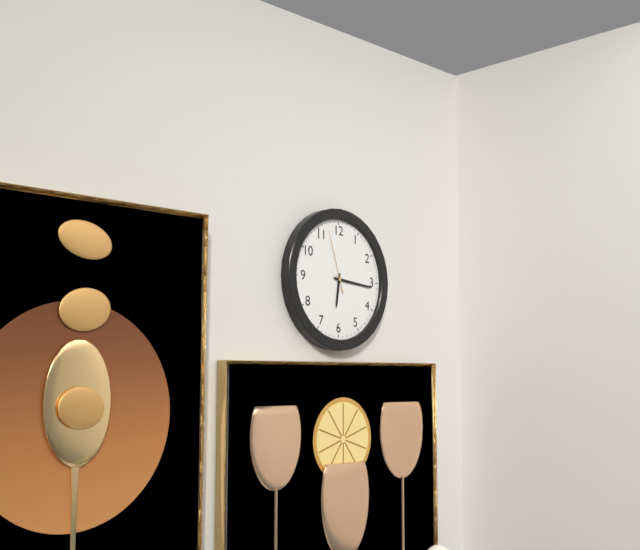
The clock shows h=6 m=16 s=57
